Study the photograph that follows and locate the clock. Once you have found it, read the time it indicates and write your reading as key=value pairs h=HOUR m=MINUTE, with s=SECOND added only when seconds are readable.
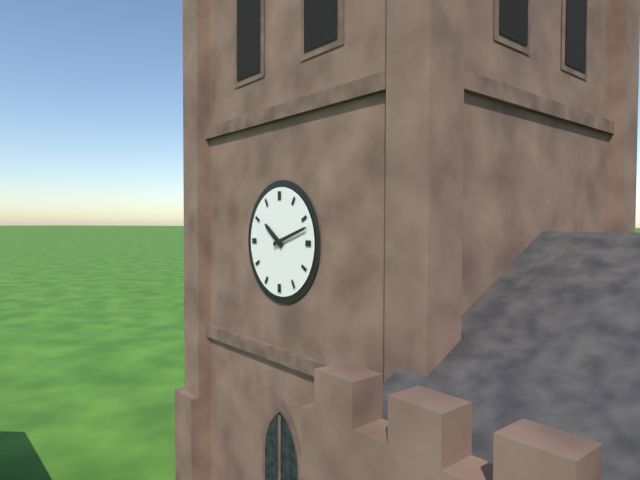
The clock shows h=10 m=12
